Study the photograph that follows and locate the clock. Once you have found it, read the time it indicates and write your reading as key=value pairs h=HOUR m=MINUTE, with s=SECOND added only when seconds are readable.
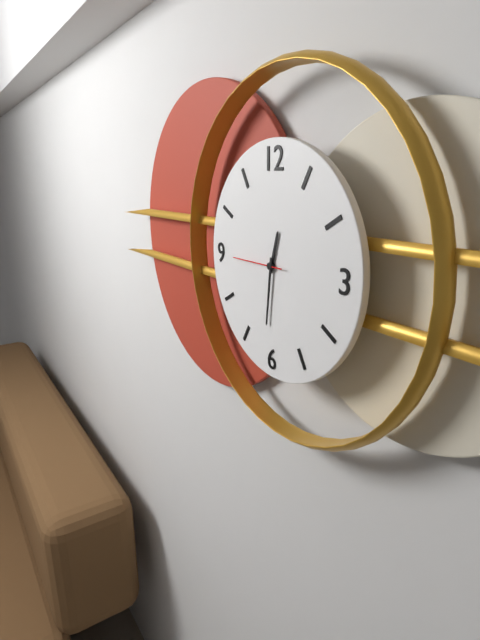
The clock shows h=12 m=31
